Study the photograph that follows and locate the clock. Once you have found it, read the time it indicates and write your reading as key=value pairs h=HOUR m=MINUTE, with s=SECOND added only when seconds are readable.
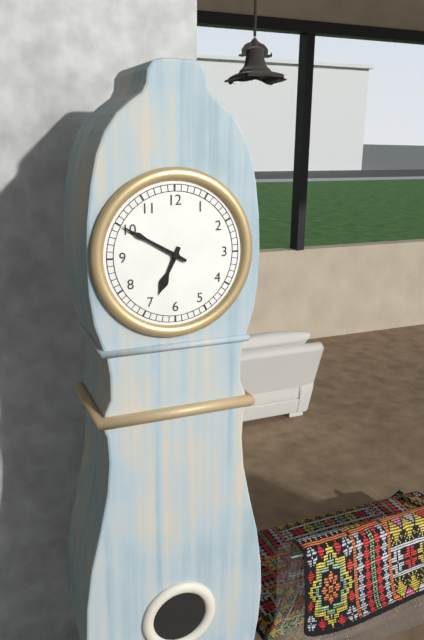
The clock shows h=6 m=50
